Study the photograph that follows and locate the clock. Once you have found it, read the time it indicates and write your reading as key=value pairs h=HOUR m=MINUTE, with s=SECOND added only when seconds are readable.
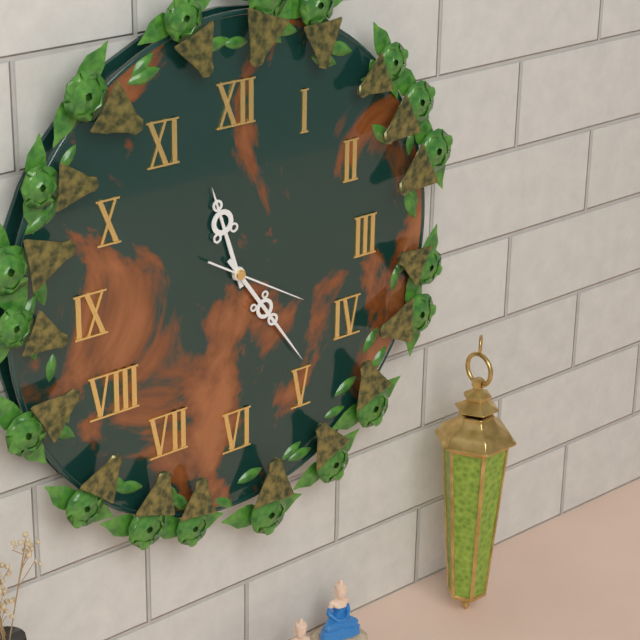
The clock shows h=11 m=24 s=20
